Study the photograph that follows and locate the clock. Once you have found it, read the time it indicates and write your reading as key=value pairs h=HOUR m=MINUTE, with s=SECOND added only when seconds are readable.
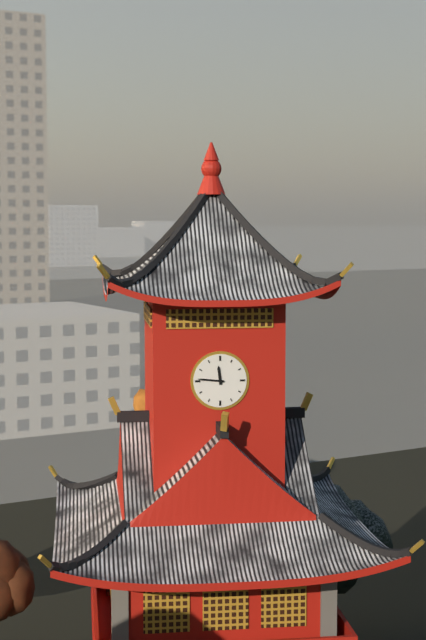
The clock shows h=11 m=46
